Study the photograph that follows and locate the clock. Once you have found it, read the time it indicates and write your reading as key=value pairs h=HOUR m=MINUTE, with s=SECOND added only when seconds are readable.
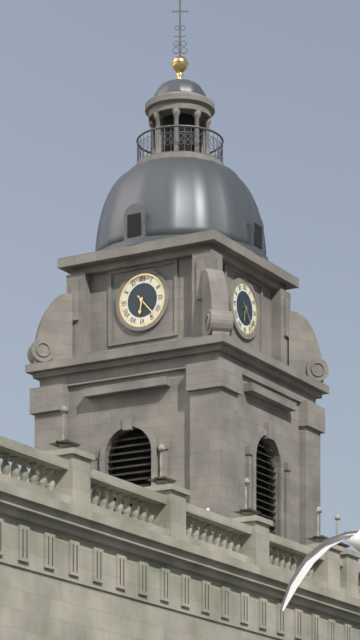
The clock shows h=6 m=23
